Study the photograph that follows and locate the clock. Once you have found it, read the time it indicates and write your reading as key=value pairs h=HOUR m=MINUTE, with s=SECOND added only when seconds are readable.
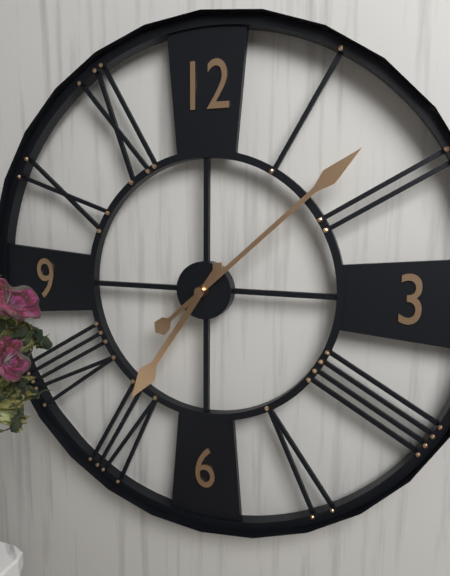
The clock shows h=7 m=8
